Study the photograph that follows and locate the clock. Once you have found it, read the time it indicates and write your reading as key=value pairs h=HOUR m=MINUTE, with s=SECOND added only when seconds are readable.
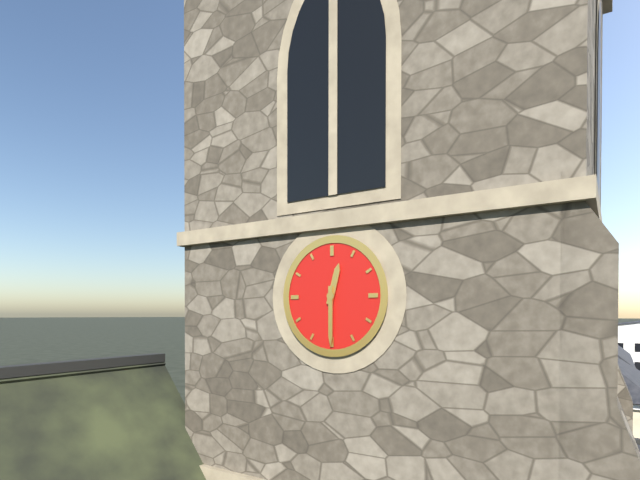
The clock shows h=12 m=30
